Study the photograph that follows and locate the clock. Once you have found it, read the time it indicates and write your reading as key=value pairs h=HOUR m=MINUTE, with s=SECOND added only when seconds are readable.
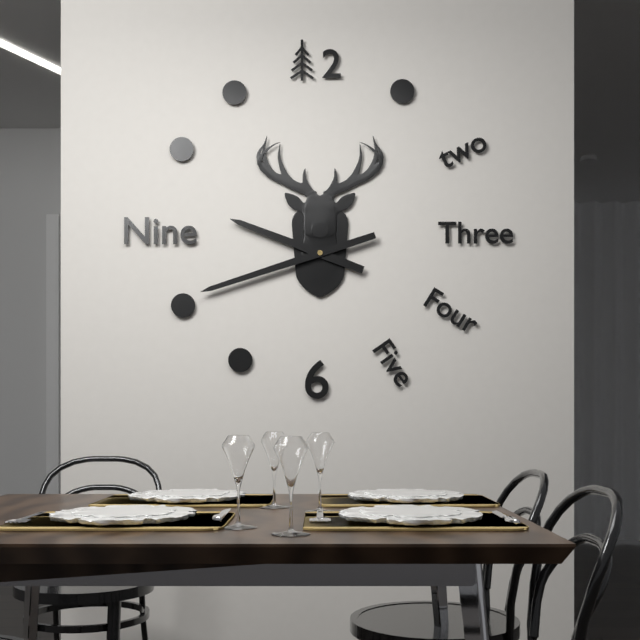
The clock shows h=9 m=42
